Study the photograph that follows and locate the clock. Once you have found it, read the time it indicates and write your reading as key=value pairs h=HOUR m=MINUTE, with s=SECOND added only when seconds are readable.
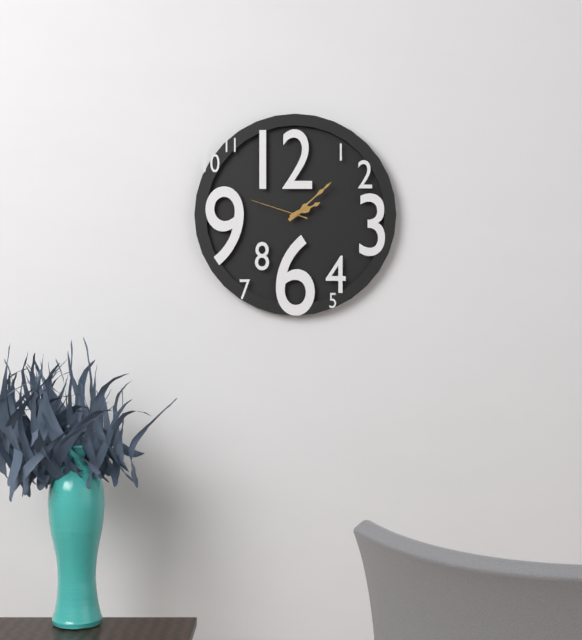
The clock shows h=2 m=8 s=48
